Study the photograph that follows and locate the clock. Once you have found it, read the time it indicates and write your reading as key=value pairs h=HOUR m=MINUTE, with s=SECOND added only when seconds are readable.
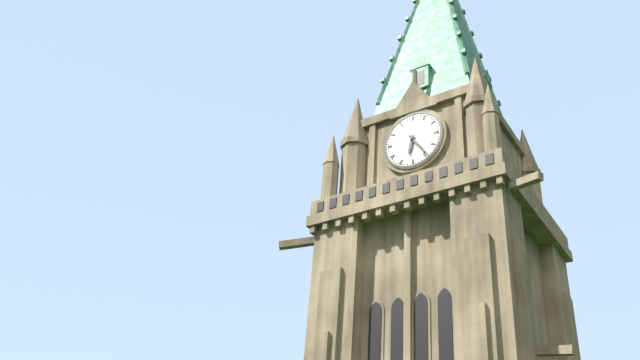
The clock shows h=6 m=24
